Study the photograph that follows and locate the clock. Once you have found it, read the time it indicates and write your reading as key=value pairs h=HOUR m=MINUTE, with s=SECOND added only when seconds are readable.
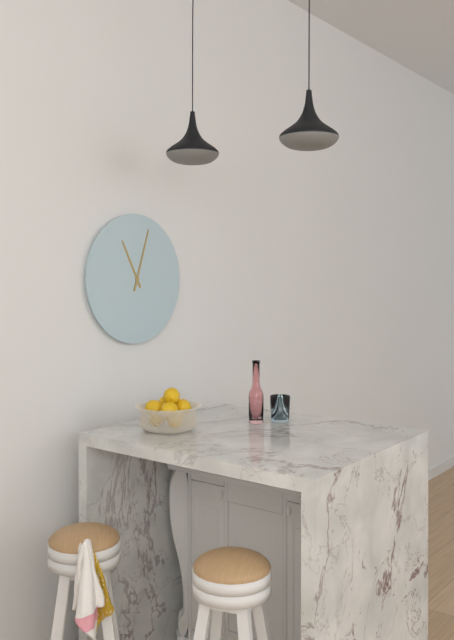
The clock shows h=11 m=3
